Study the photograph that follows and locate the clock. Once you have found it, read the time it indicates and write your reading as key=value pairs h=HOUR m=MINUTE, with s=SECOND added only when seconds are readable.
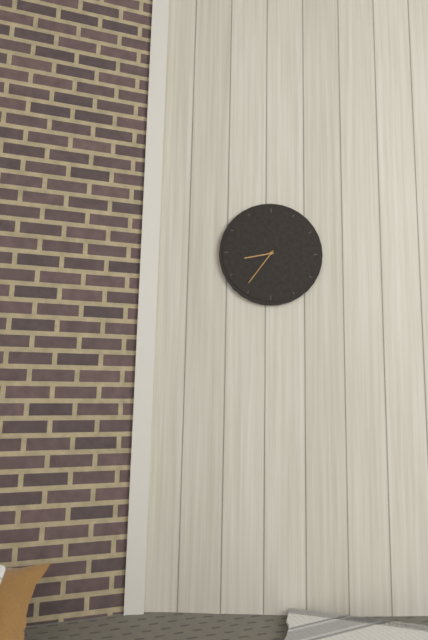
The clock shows h=8 m=36
